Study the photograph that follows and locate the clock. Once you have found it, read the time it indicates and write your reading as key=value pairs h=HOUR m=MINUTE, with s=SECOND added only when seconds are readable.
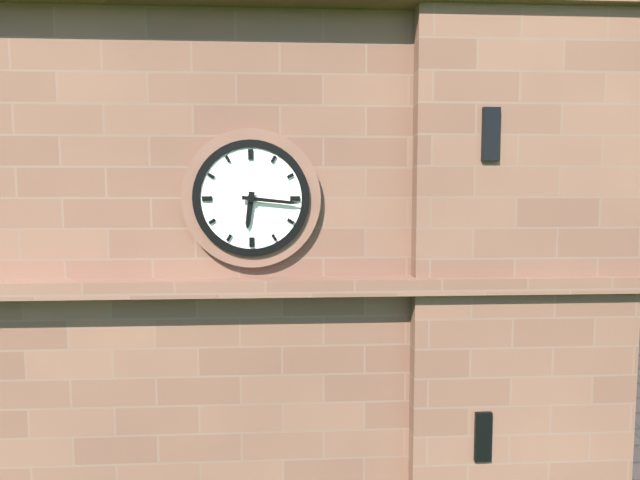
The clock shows h=6 m=16
